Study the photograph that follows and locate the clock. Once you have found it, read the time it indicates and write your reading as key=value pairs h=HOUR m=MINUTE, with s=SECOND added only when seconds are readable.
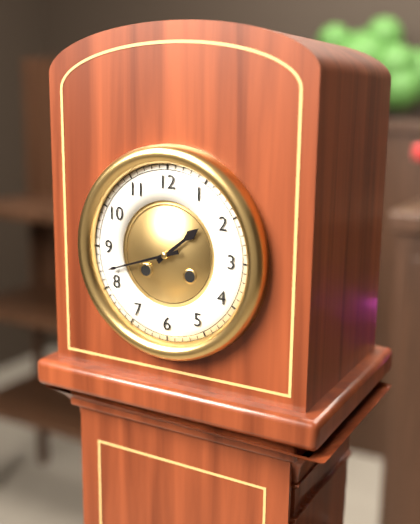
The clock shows h=1 m=42
